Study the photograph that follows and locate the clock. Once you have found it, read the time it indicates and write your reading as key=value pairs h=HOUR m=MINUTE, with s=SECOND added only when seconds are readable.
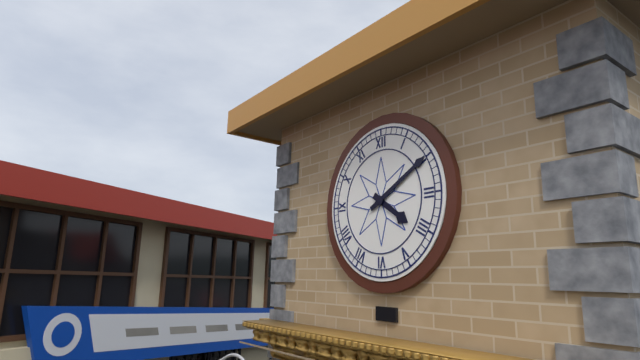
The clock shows h=4 m=10
